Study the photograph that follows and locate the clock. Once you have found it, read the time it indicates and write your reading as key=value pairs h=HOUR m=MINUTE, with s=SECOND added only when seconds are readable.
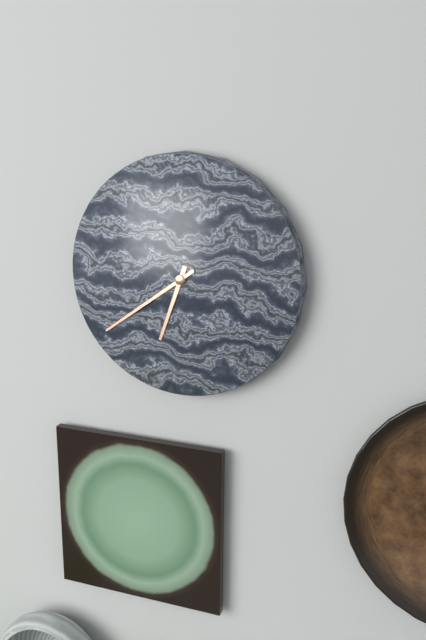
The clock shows h=6 m=39
